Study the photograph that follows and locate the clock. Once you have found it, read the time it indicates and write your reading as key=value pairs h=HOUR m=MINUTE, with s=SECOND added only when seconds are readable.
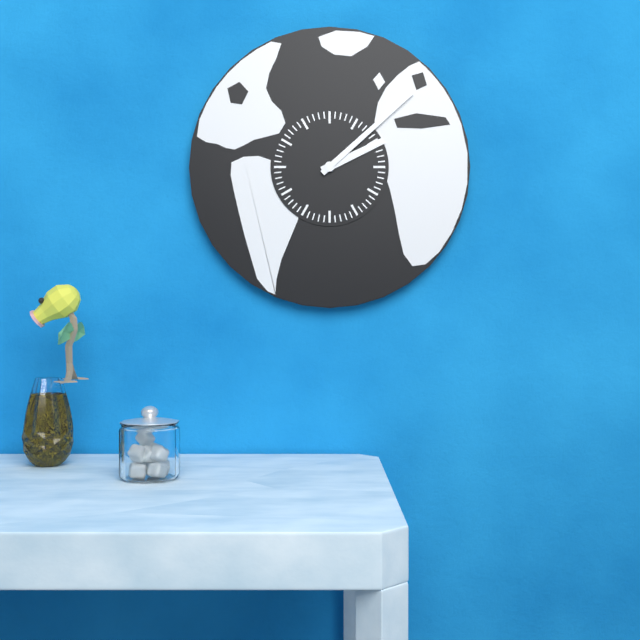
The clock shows h=2 m=8
